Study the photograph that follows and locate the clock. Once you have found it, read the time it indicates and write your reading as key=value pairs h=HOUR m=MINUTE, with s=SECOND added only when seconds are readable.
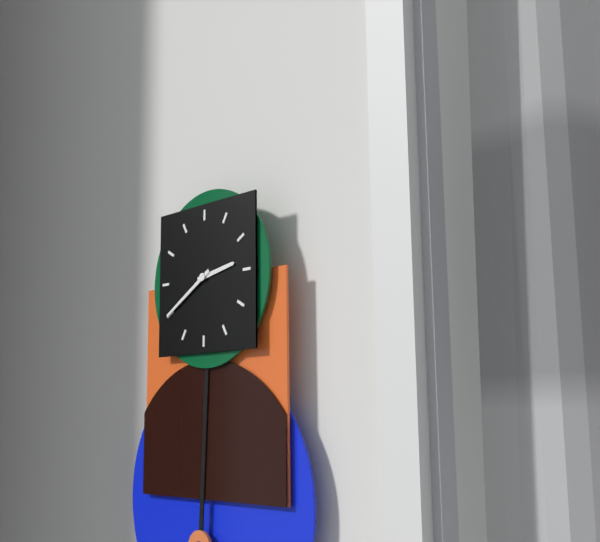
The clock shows h=2 m=40
